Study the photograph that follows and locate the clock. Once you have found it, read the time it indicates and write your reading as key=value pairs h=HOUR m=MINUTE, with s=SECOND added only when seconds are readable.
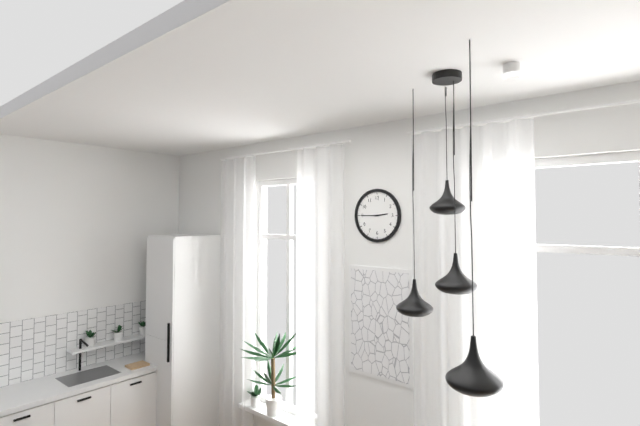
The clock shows h=2 m=45
